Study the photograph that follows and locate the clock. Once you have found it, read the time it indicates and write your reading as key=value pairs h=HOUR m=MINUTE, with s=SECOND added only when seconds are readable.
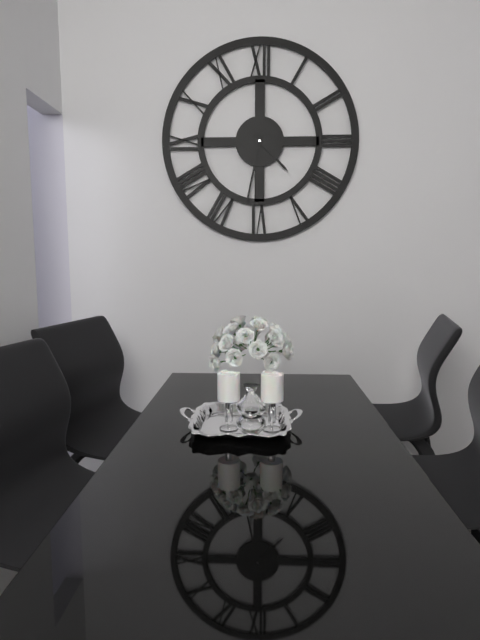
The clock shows h=4 m=32
